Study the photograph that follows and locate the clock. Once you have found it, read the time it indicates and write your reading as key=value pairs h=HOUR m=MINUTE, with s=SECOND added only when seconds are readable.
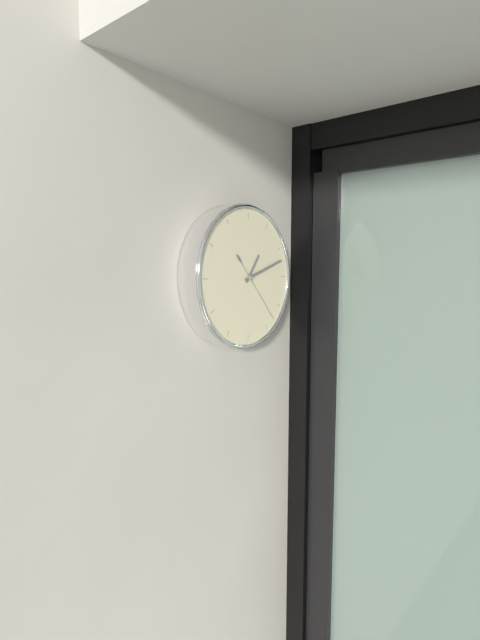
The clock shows h=1 m=12 s=23
